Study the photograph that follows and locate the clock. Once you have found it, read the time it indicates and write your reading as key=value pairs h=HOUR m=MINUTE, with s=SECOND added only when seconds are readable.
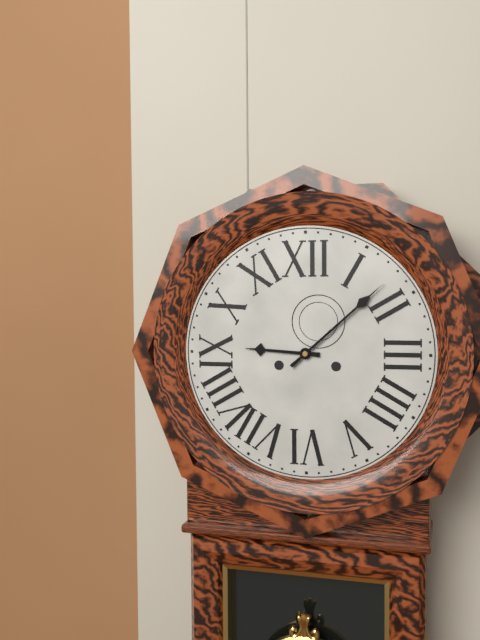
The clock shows h=9 m=8
